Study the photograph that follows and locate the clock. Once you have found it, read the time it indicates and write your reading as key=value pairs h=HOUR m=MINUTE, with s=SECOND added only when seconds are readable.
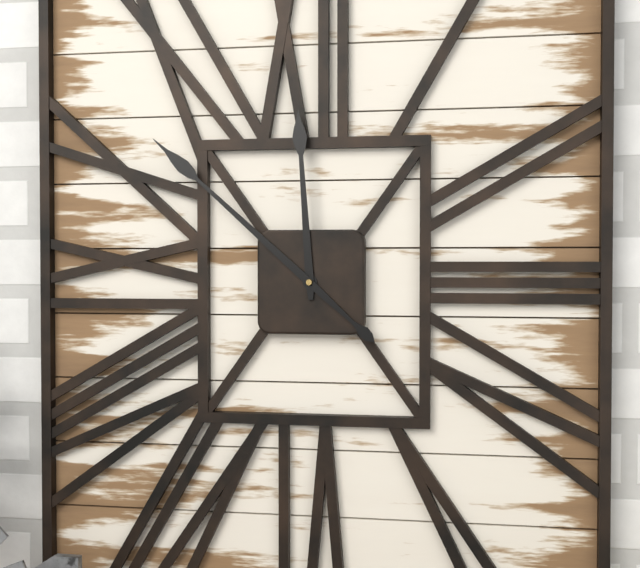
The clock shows h=11 m=52
